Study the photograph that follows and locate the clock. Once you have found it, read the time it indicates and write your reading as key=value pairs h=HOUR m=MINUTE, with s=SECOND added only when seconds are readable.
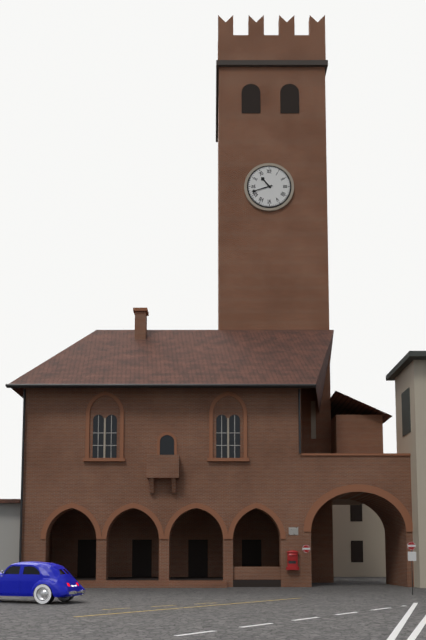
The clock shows h=10 m=42
